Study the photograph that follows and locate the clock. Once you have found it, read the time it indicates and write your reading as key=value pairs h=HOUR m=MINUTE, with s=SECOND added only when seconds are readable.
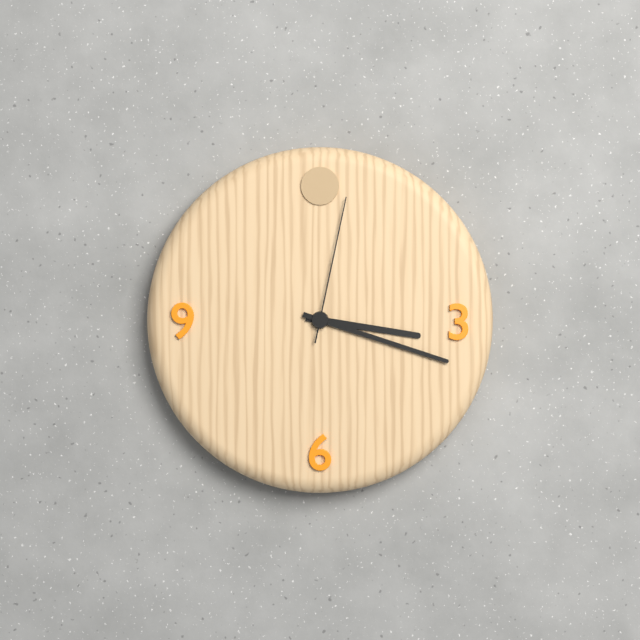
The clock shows h=3 m=18 s=2
